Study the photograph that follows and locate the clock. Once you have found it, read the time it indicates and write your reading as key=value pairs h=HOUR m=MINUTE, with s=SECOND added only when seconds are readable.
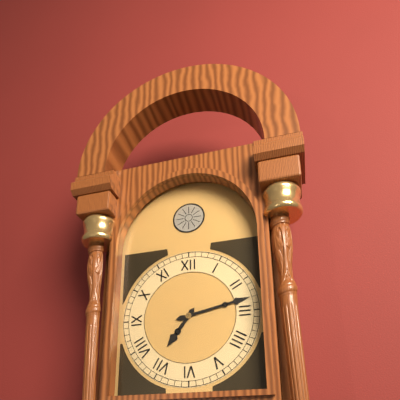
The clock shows h=7 m=13
